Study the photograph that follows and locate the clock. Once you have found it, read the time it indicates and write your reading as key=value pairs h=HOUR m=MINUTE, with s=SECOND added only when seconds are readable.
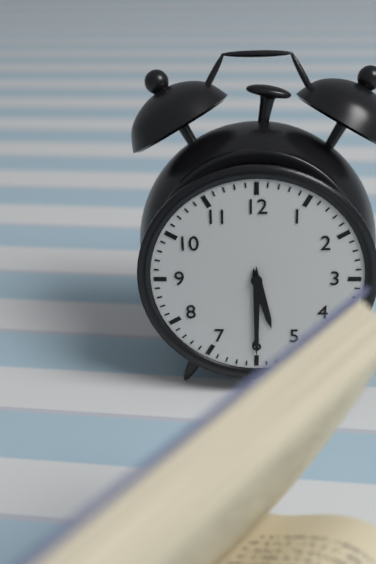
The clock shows h=5 m=30
